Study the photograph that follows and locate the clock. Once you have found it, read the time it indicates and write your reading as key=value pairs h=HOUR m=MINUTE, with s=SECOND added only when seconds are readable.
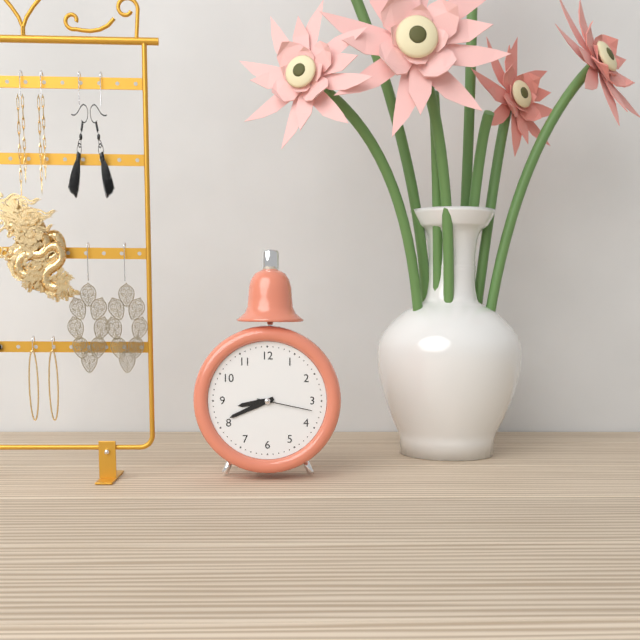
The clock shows h=8 m=41 s=17
